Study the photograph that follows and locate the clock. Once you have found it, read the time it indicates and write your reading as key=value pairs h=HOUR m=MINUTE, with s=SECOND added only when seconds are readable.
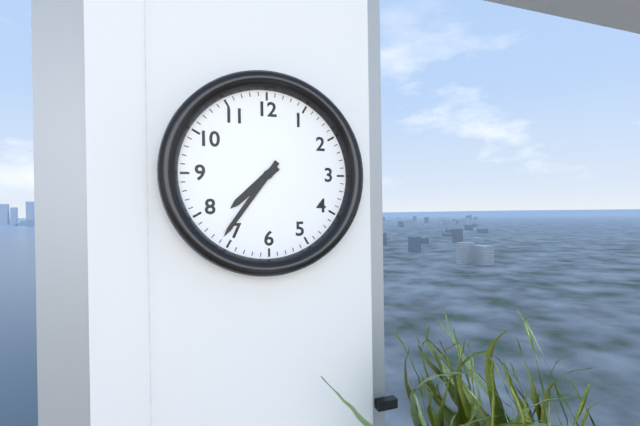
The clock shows h=7 m=36
